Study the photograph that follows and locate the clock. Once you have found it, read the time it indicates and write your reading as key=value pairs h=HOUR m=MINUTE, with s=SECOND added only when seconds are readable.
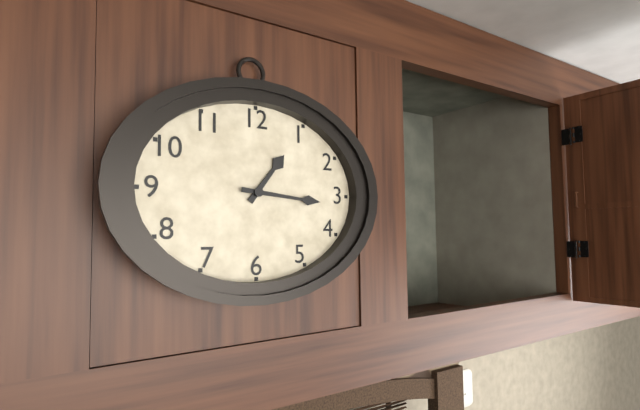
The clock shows h=1 m=16
